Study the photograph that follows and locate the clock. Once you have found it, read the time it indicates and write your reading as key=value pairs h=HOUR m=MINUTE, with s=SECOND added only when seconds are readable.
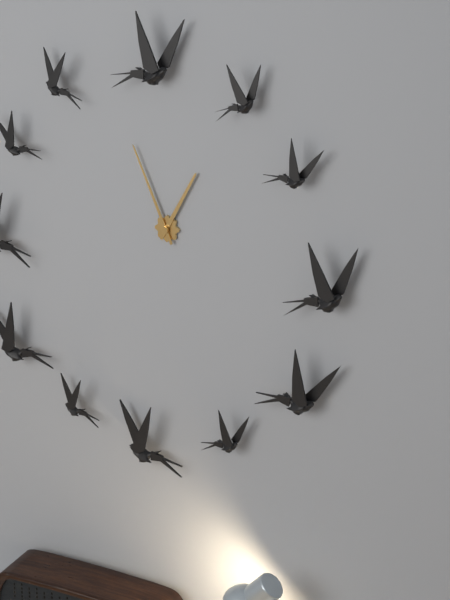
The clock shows h=12 m=56
